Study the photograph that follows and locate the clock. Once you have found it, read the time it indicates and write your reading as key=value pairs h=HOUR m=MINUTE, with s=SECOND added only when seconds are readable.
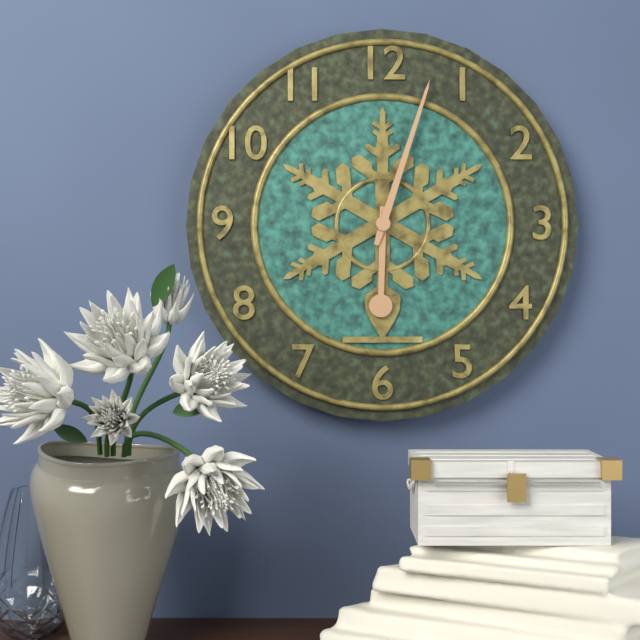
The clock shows h=6 m=3
